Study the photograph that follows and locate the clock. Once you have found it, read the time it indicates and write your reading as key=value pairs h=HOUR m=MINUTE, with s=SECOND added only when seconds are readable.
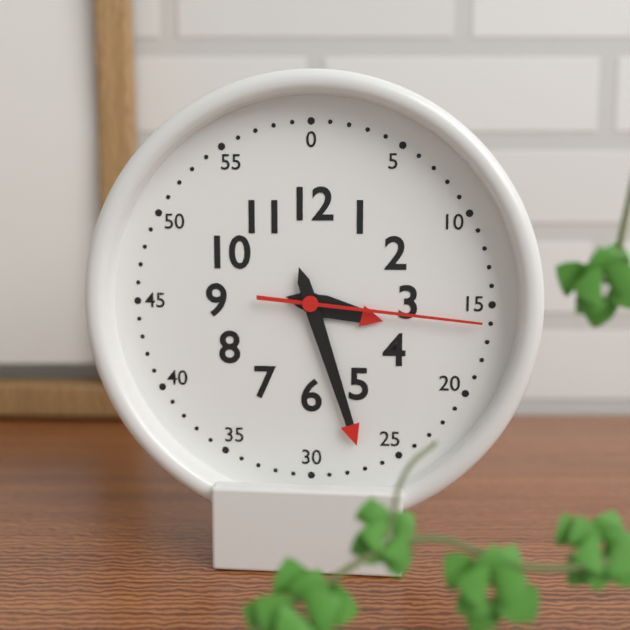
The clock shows h=3 m=27 s=16
